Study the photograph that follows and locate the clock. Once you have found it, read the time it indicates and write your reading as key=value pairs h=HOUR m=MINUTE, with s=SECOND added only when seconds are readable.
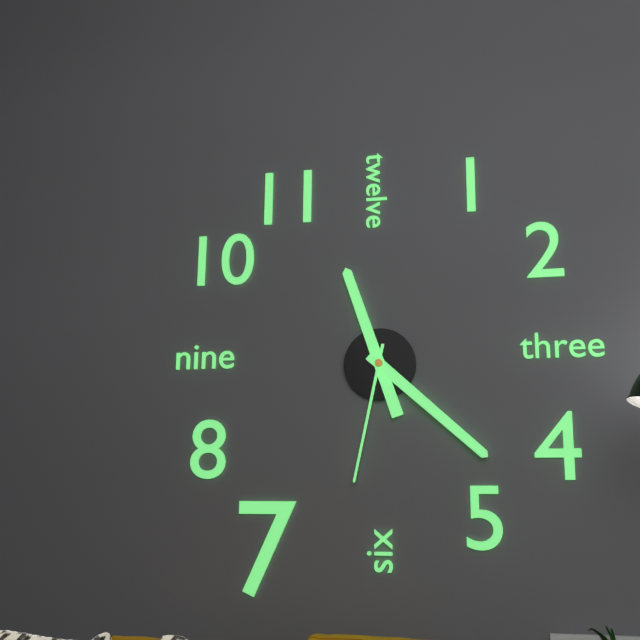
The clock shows h=11 m=22 s=32
